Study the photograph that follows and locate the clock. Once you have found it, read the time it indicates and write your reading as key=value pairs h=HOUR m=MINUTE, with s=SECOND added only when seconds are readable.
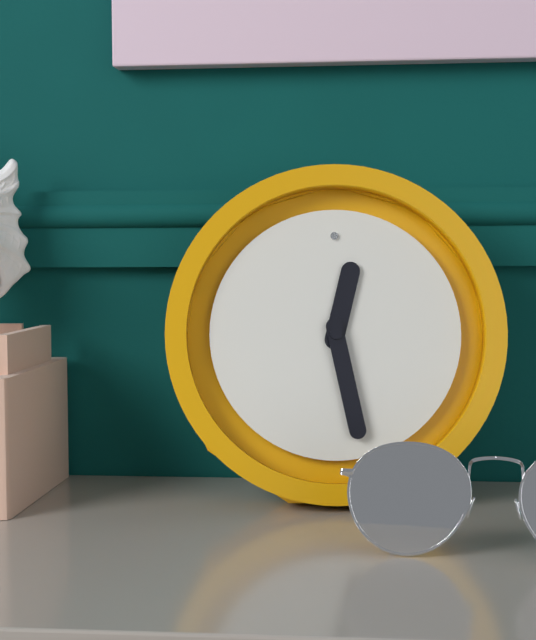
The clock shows h=12 m=28
